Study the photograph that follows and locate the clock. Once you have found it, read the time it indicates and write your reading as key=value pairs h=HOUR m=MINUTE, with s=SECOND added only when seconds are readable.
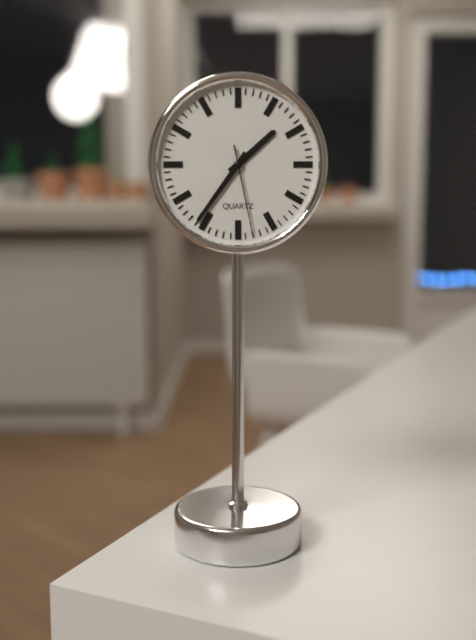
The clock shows h=1 m=36 s=28
